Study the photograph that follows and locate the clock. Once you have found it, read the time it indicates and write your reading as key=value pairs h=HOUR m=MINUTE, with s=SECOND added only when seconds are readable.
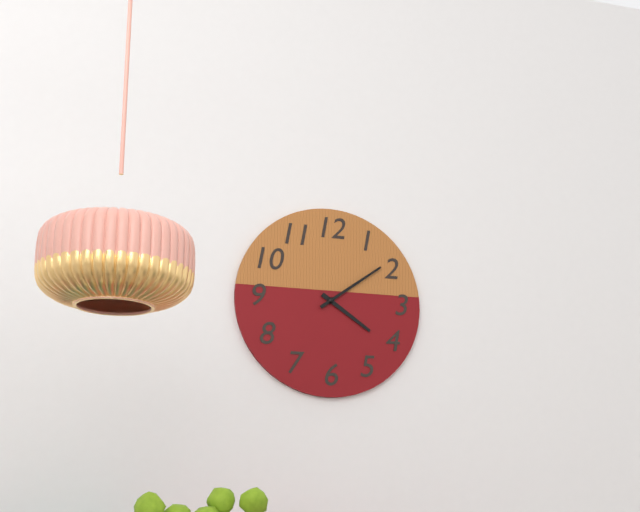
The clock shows h=4 m=9
